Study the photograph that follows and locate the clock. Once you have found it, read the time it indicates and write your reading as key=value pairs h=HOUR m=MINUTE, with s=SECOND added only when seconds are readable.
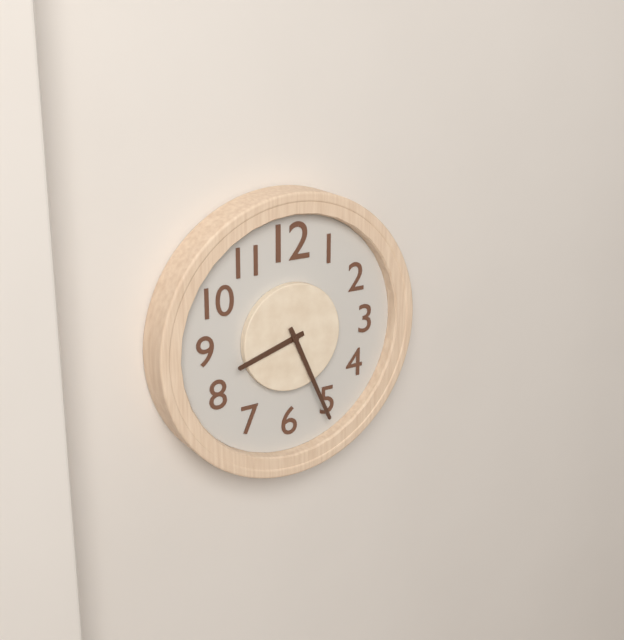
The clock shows h=8 m=26
